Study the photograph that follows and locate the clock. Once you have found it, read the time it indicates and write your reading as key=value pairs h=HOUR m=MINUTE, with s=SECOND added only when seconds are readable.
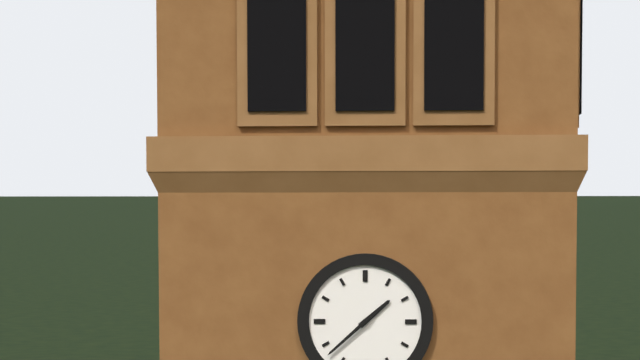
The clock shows h=1 m=38
